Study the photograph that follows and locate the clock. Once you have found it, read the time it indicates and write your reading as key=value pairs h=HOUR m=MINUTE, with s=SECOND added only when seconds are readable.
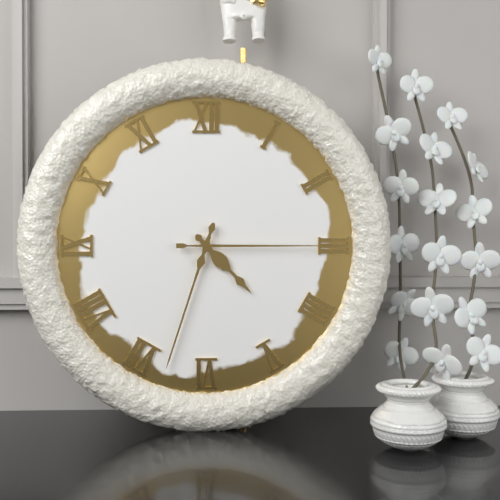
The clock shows h=4 m=33 s=15
